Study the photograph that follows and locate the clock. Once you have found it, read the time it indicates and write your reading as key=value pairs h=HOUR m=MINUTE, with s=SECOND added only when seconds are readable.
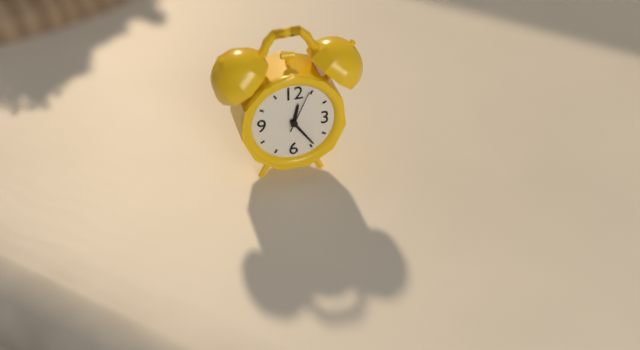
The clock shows h=12 m=24
